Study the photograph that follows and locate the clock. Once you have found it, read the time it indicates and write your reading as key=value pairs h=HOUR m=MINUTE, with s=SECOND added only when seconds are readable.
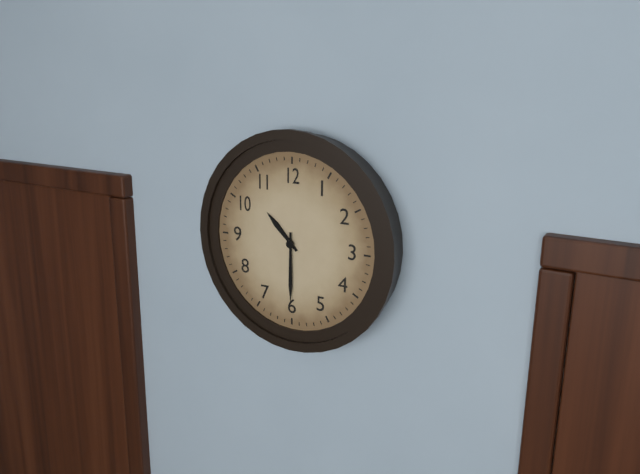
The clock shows h=10 m=30
